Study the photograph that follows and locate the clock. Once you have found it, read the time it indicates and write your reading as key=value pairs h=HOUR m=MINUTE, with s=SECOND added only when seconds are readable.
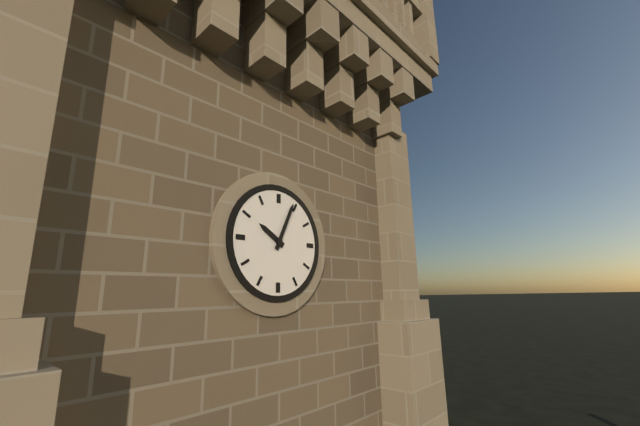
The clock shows h=10 m=4
